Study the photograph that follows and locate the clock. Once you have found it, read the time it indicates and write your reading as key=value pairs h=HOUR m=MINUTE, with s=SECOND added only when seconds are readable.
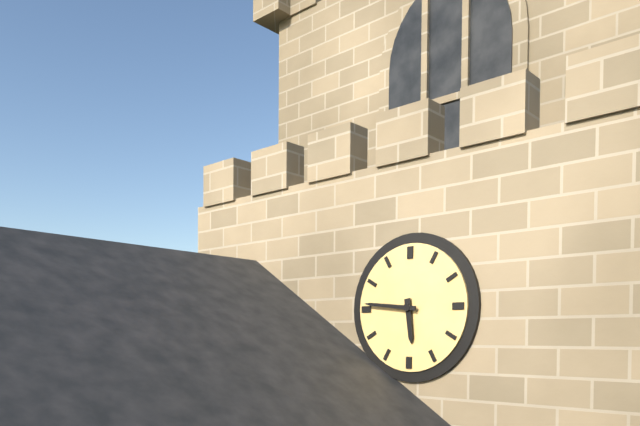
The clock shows h=5 m=46
